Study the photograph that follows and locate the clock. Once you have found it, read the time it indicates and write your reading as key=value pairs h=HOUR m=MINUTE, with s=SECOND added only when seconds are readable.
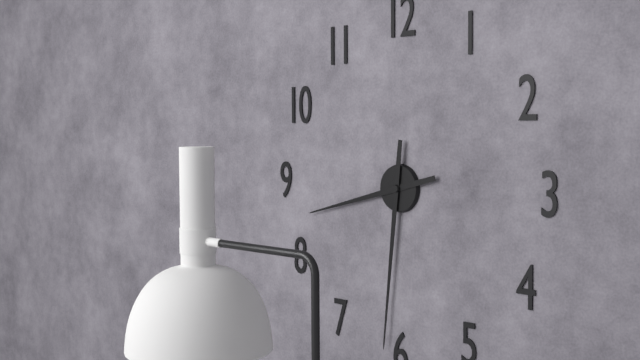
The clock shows h=8 m=31
